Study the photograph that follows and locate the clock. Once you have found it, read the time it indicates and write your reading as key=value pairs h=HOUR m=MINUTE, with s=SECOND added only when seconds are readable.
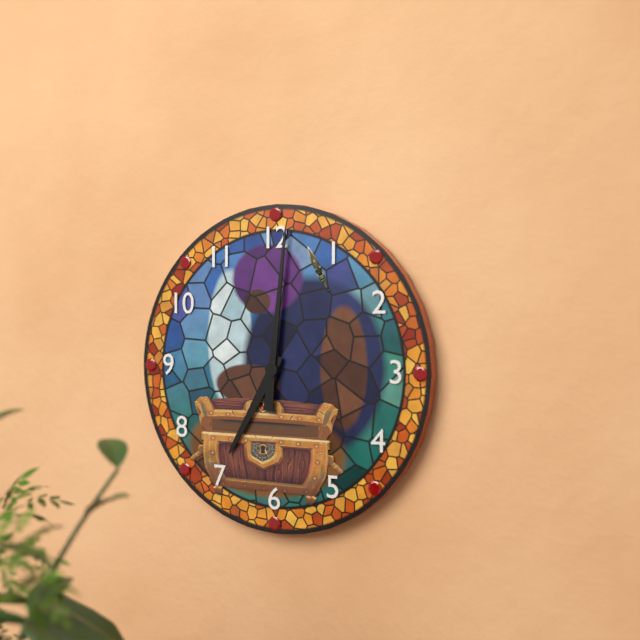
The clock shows h=7 m=1
